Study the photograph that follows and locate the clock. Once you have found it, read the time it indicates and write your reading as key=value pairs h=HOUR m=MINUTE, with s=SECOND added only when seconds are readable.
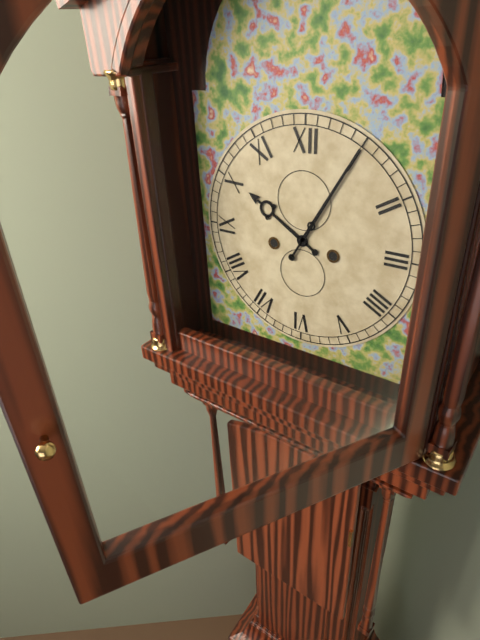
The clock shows h=10 m=5
